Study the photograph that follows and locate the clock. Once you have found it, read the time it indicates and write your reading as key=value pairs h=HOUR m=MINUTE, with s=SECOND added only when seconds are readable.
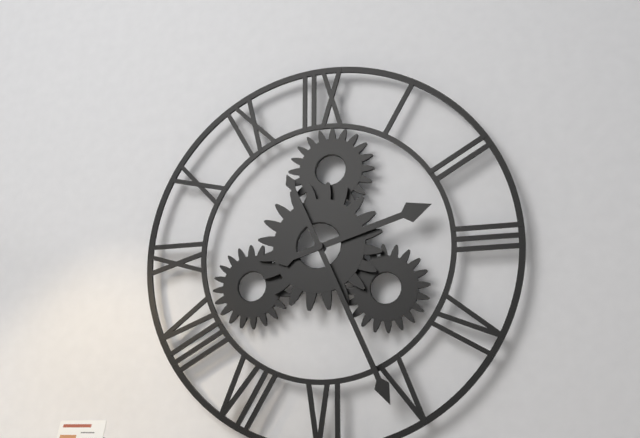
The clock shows h=2 m=26
